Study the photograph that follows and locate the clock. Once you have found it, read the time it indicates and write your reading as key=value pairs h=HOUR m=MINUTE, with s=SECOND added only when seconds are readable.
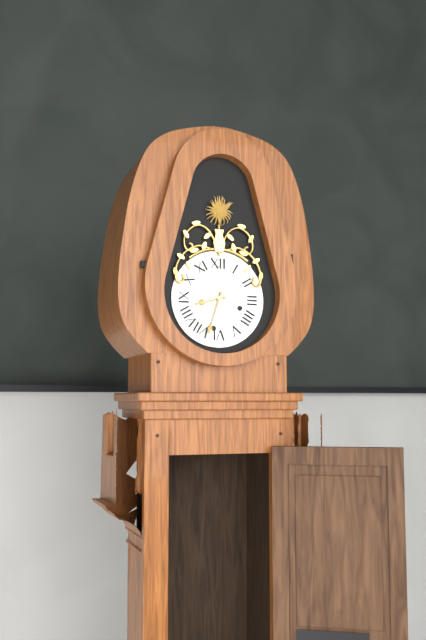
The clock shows h=8 m=33
